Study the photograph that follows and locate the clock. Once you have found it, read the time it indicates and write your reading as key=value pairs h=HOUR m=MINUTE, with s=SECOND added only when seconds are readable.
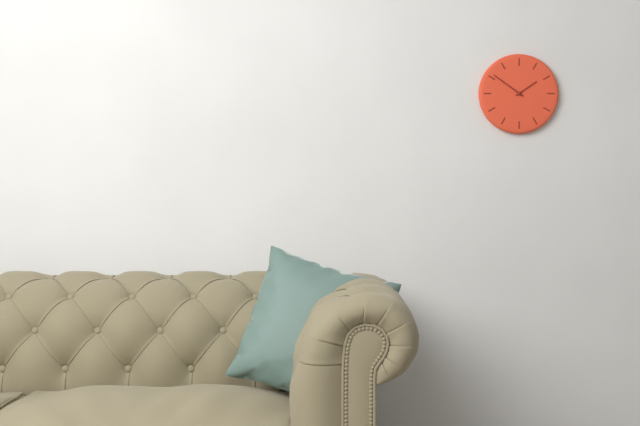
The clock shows h=1 m=51
